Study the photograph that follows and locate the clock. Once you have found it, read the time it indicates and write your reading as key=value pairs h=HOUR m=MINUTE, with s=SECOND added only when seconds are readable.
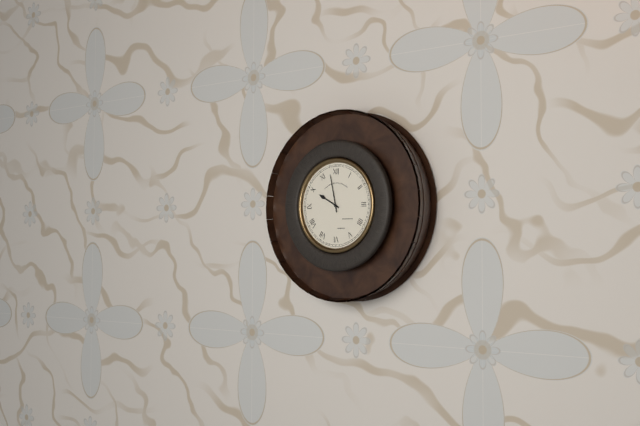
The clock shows h=9 m=58
